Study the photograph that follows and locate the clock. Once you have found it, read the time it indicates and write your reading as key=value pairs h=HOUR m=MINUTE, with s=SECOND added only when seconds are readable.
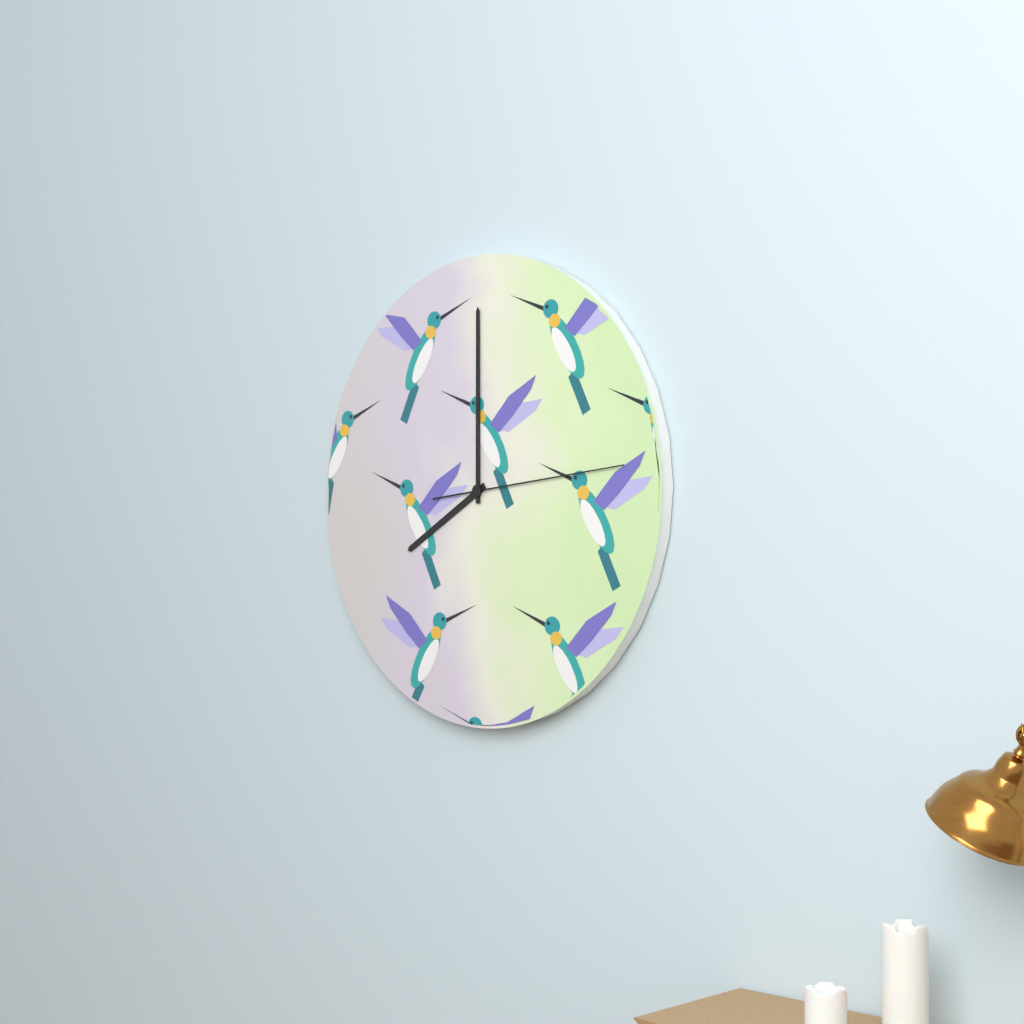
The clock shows h=8 m=0 s=14
